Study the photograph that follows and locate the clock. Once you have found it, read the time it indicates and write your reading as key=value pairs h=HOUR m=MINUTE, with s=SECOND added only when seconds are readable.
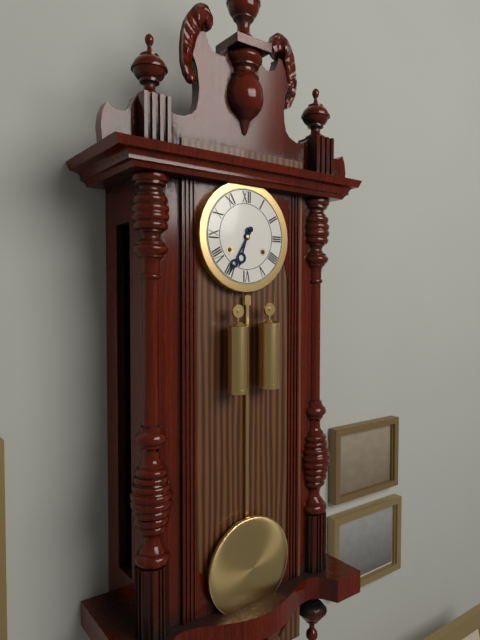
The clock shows h=6 m=35
